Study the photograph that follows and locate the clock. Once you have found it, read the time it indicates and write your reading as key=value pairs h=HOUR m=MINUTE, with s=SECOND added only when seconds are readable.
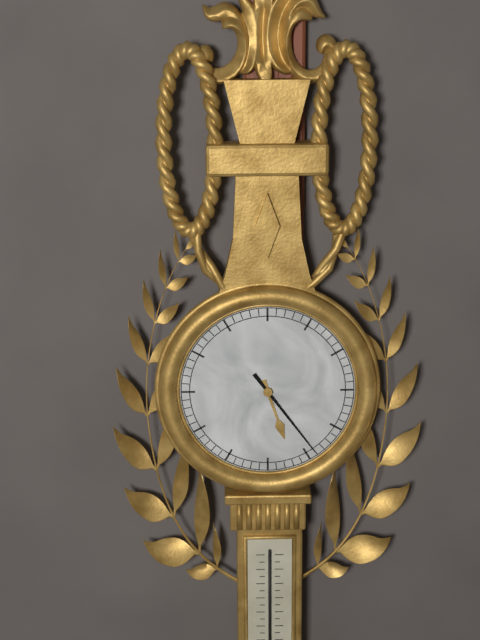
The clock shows h=5 m=24
